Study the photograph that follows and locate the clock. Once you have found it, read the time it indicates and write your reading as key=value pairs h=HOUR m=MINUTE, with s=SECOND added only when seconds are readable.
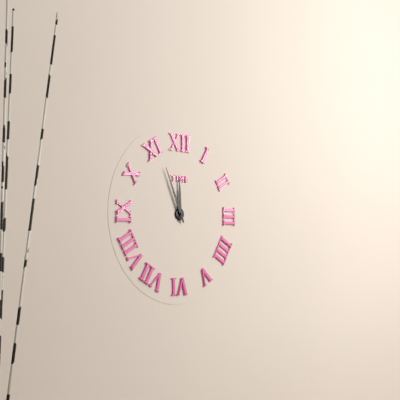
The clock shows h=11 m=56
